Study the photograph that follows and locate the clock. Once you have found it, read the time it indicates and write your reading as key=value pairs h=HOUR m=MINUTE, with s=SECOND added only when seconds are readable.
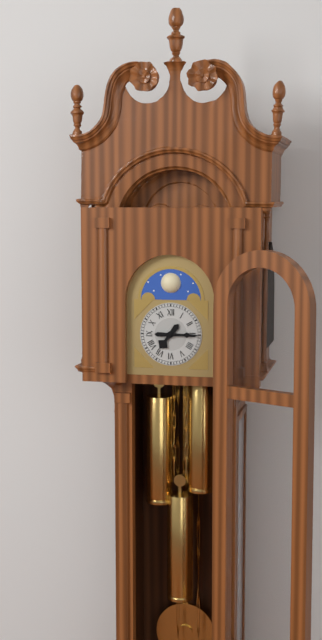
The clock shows h=7 m=15
